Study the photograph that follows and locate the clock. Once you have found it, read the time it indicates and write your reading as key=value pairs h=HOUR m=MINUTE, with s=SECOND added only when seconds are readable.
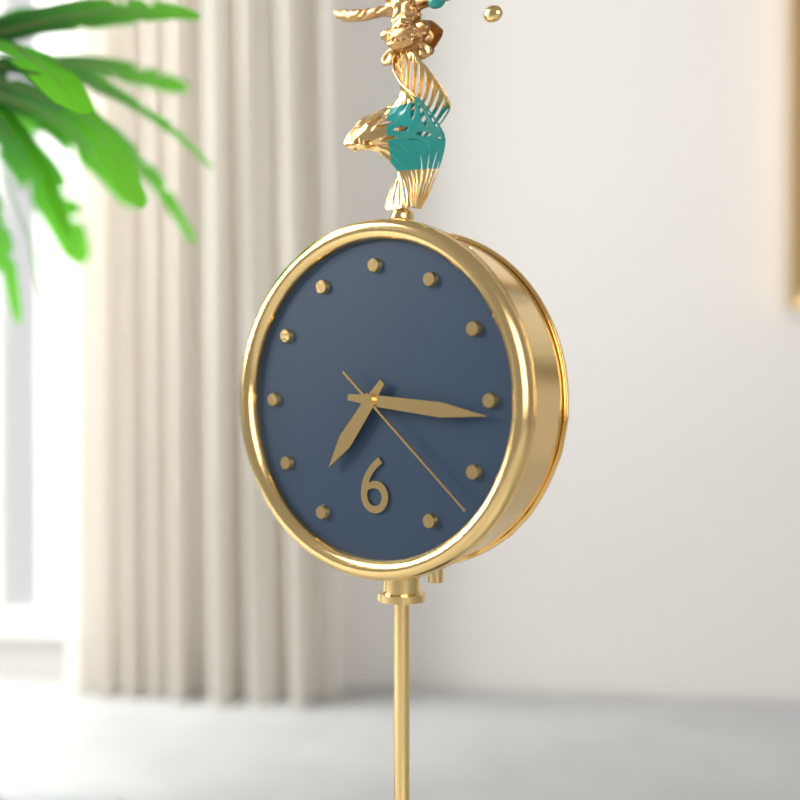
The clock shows h=7 m=16 s=22
